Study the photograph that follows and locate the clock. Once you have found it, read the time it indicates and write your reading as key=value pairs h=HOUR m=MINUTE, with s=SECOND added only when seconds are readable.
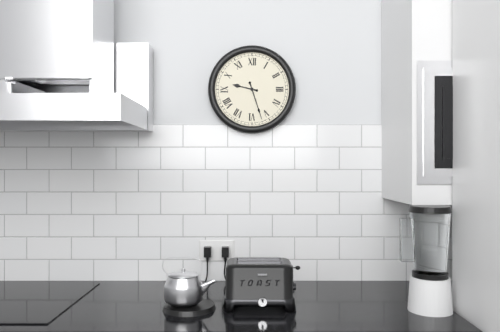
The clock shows h=9 m=27
